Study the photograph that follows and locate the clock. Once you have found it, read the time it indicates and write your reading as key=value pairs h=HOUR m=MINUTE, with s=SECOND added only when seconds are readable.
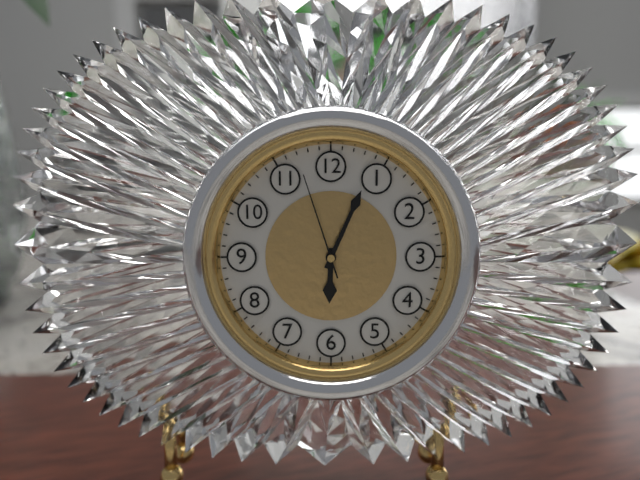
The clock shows h=6 m=4 s=57
